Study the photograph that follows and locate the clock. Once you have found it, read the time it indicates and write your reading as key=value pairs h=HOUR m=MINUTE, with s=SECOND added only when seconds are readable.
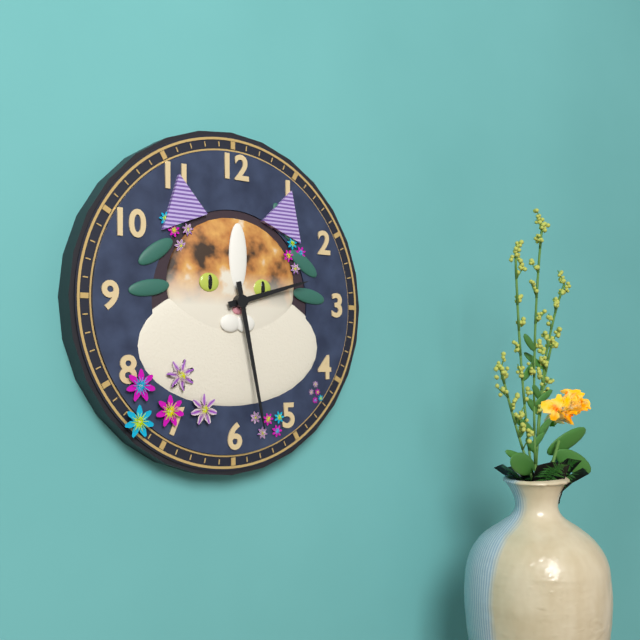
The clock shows h=2 m=28
